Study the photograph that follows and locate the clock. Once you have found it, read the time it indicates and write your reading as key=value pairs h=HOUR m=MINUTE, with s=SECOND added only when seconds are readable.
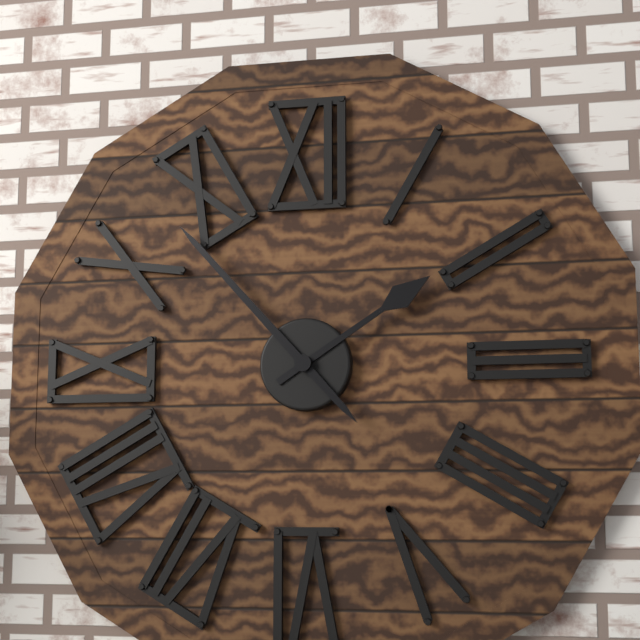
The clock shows h=1 m=53
